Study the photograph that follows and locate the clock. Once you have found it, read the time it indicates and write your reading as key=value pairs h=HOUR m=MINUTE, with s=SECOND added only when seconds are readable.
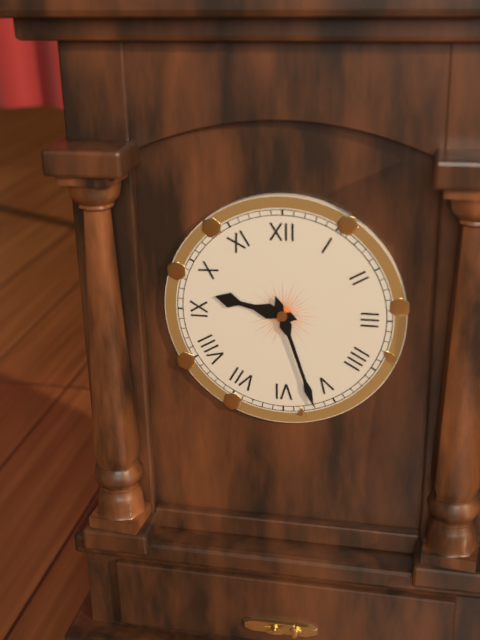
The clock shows h=9 m=27
